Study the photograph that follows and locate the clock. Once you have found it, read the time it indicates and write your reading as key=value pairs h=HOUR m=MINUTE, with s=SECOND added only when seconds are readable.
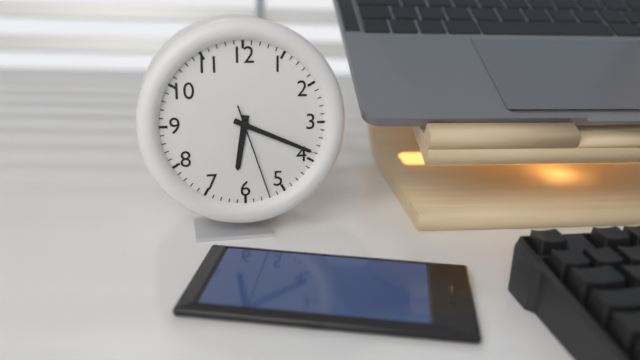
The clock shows h=6 m=19 s=27
